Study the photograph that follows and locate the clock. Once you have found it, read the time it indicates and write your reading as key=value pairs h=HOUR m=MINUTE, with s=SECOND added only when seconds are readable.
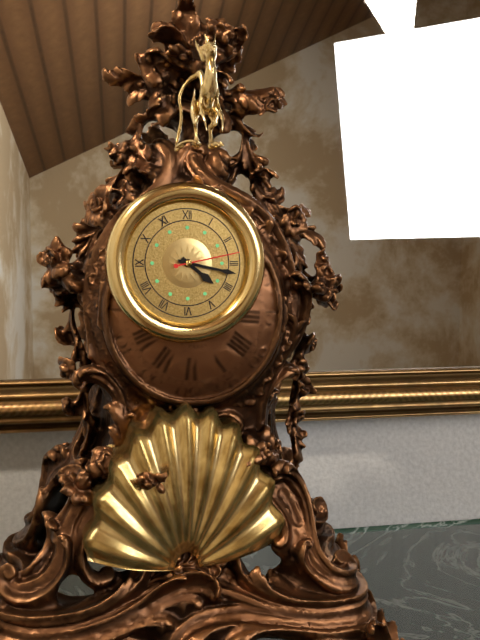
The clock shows h=4 m=17 s=13
